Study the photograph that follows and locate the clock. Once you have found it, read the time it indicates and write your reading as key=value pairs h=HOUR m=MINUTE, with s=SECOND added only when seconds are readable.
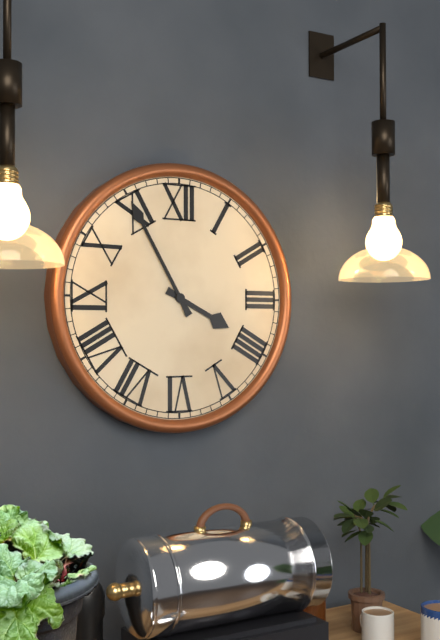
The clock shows h=3 m=55
